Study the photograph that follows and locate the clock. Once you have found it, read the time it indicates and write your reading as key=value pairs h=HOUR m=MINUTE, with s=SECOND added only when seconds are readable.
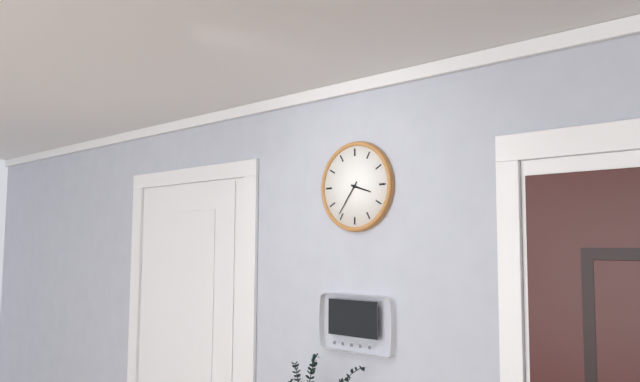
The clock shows h=3 m=36
